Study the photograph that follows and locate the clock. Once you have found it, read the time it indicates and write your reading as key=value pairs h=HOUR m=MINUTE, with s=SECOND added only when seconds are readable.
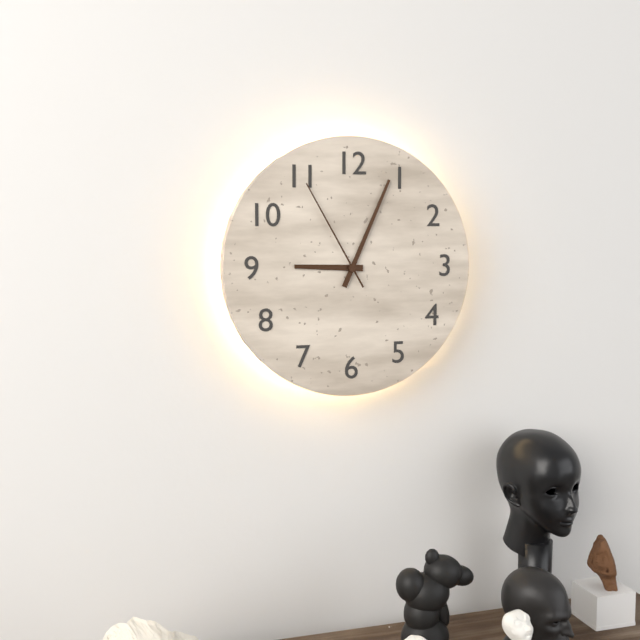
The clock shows h=9 m=4 s=55
